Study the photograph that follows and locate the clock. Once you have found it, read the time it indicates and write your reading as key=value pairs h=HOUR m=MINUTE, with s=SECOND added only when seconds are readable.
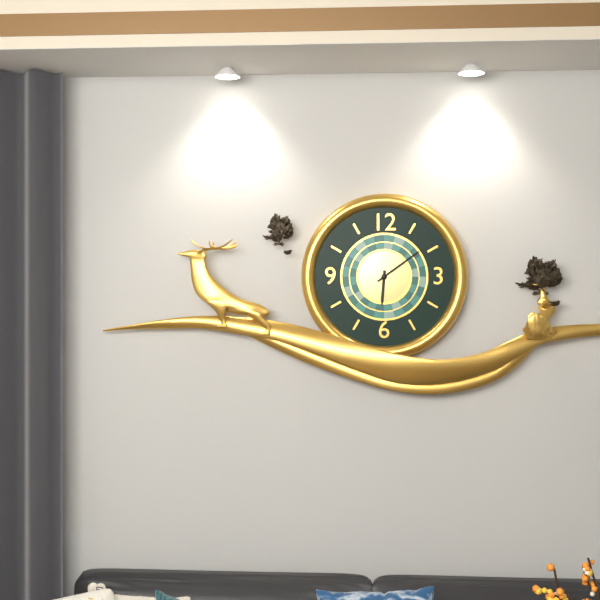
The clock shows h=6 m=9
